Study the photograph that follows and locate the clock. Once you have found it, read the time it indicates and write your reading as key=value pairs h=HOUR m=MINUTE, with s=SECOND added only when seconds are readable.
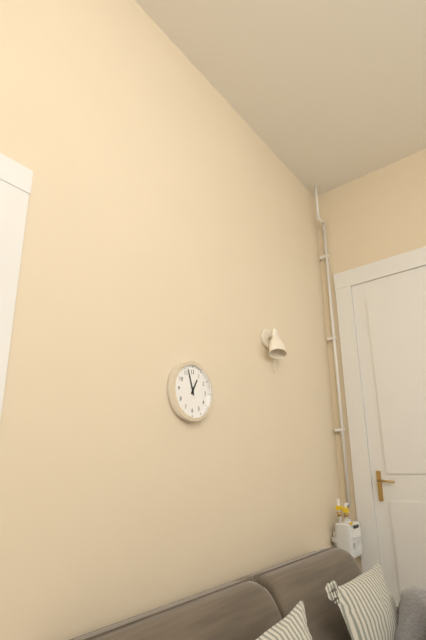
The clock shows h=12 m=57
